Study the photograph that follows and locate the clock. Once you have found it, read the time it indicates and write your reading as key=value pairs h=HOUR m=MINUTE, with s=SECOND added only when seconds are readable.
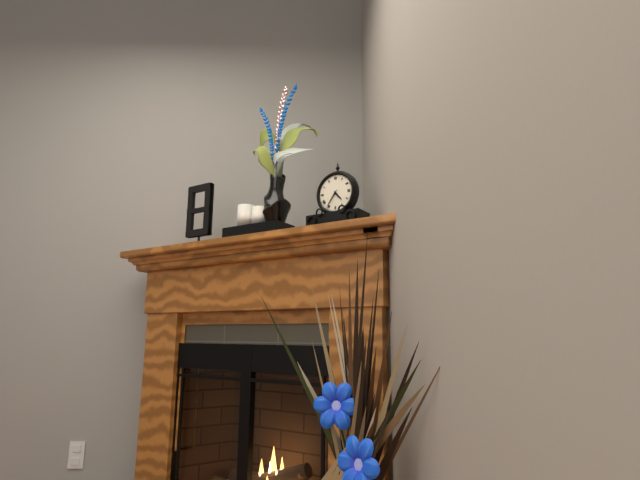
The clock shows h=4 m=36
